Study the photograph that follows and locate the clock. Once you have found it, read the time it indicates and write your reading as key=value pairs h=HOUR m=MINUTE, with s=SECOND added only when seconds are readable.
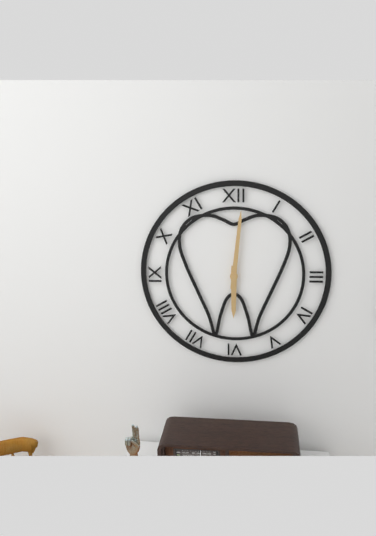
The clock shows h=6 m=1
